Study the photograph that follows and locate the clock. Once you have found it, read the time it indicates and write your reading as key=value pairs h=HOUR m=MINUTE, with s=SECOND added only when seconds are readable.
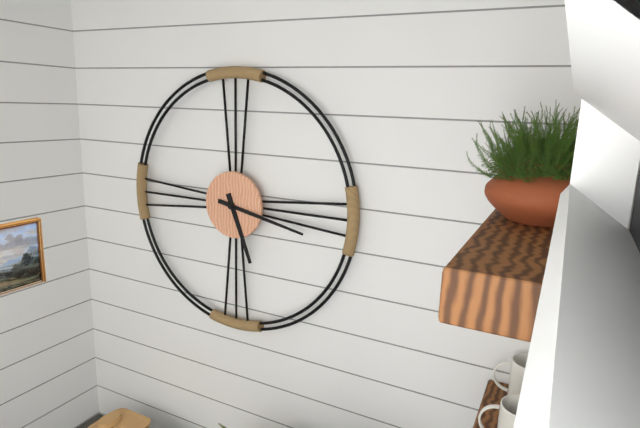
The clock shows h=5 m=17
